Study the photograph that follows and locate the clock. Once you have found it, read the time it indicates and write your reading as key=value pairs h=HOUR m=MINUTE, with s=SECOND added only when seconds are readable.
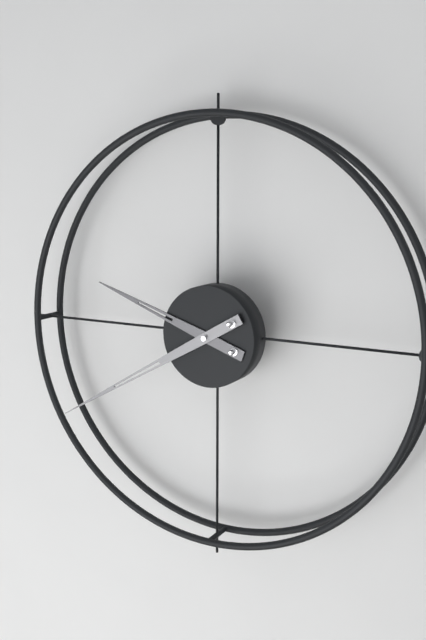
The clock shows h=9 m=40
